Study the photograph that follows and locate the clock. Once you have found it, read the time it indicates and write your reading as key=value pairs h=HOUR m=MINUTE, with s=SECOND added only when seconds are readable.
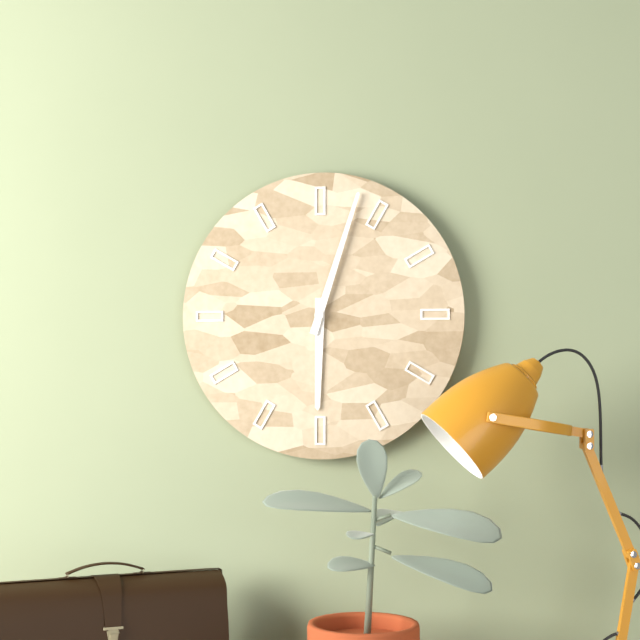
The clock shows h=6 m=3
